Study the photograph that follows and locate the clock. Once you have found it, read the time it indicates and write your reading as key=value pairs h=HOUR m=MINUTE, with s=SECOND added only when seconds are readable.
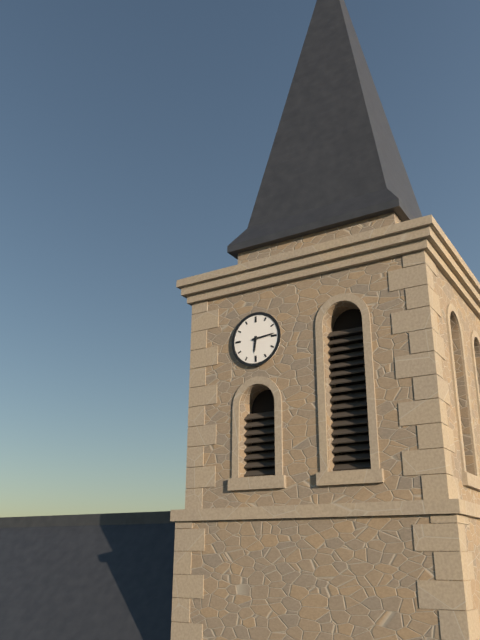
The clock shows h=6 m=14
